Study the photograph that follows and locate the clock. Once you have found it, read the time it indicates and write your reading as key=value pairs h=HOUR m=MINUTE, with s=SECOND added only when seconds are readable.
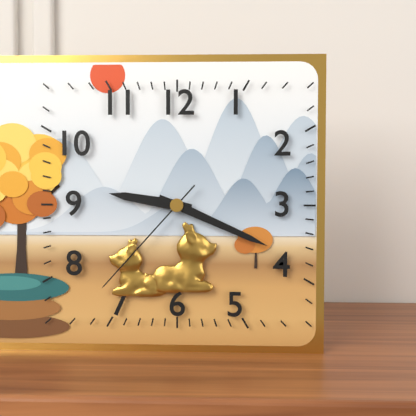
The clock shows h=9 m=19 s=37
